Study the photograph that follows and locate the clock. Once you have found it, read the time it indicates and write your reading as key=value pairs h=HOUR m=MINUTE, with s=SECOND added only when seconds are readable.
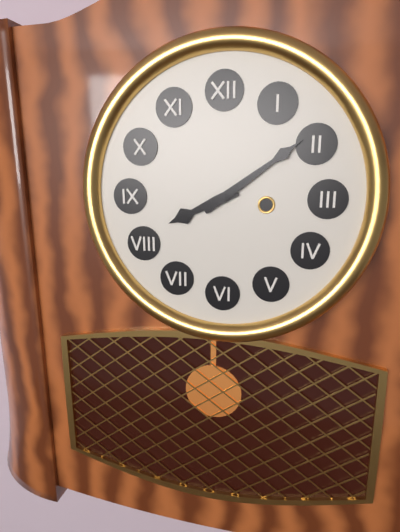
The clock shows h=8 m=9
